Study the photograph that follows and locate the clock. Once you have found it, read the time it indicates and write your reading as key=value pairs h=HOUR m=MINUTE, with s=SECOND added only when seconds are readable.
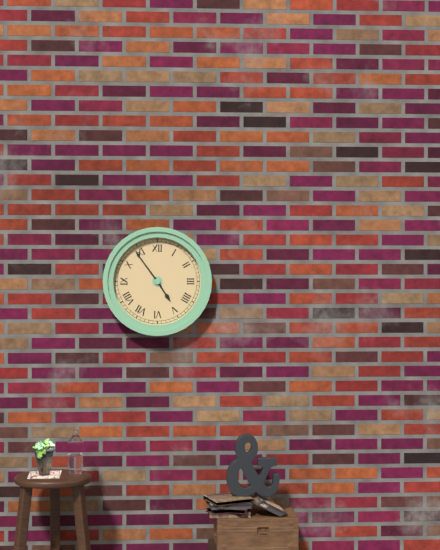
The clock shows h=4 m=54
